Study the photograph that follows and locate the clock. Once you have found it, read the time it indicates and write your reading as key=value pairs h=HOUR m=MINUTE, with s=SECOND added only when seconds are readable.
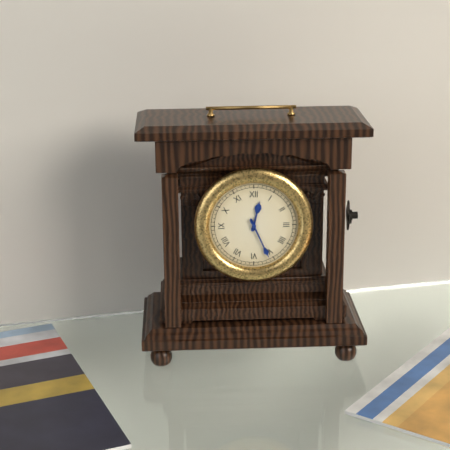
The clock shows h=12 m=26
